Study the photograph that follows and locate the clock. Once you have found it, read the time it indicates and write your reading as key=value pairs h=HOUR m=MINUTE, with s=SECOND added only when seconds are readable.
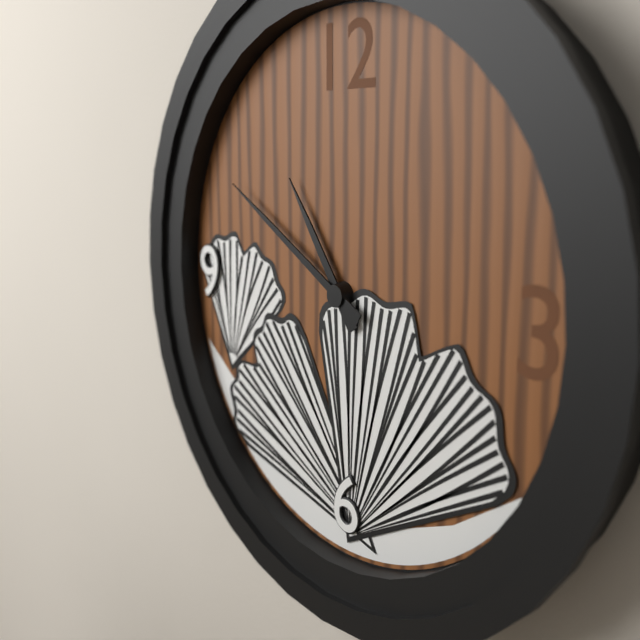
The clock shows h=10 m=50
